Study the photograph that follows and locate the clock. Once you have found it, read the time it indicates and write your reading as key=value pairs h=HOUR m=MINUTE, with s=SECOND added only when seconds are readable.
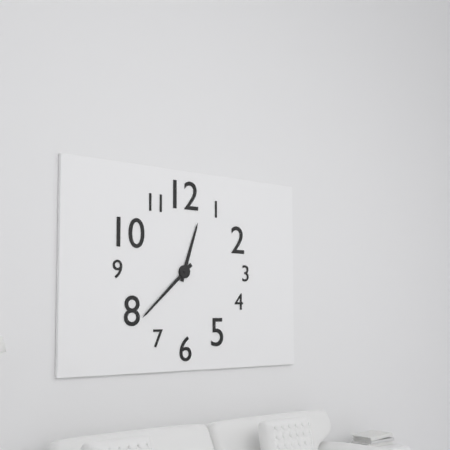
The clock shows h=12 m=38
